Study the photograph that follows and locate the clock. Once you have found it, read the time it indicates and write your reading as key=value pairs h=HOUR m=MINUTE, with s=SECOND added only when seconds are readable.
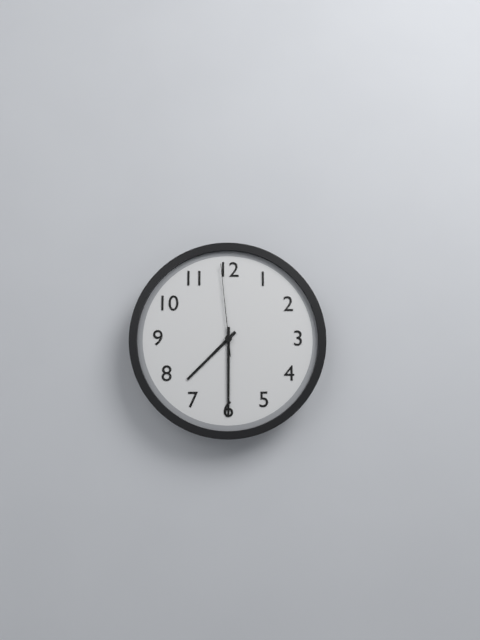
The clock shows h=7 m=30 s=59
